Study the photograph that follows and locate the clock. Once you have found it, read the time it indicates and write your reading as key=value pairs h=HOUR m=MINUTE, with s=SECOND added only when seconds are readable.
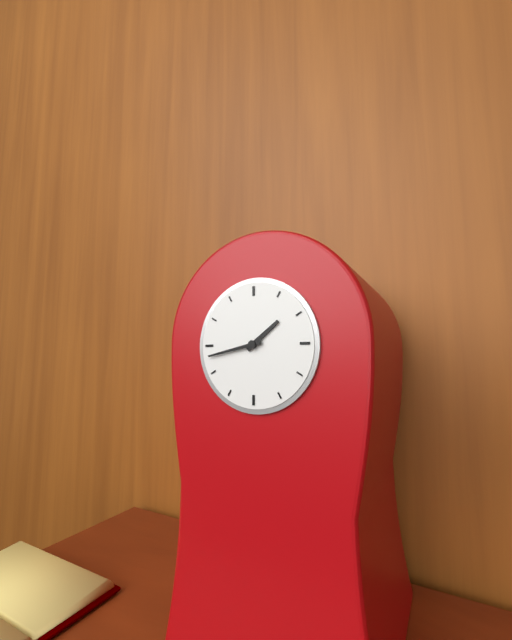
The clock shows h=1 m=43
